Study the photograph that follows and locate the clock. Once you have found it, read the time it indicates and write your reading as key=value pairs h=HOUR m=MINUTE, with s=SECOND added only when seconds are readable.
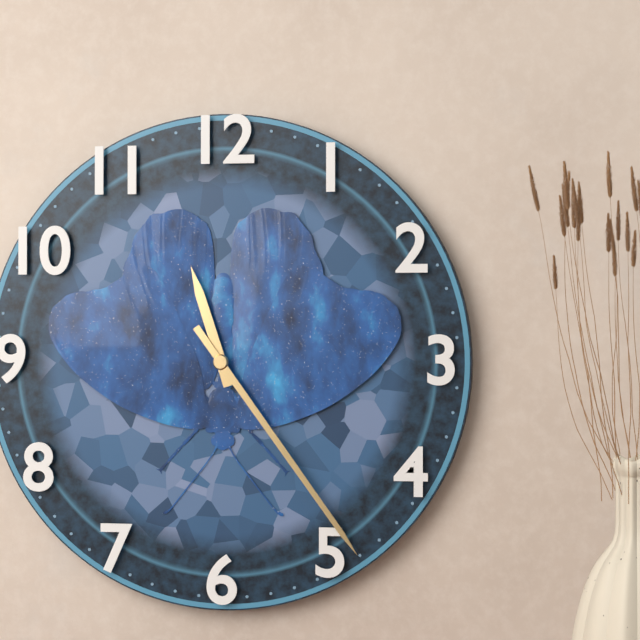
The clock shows h=11 m=24
